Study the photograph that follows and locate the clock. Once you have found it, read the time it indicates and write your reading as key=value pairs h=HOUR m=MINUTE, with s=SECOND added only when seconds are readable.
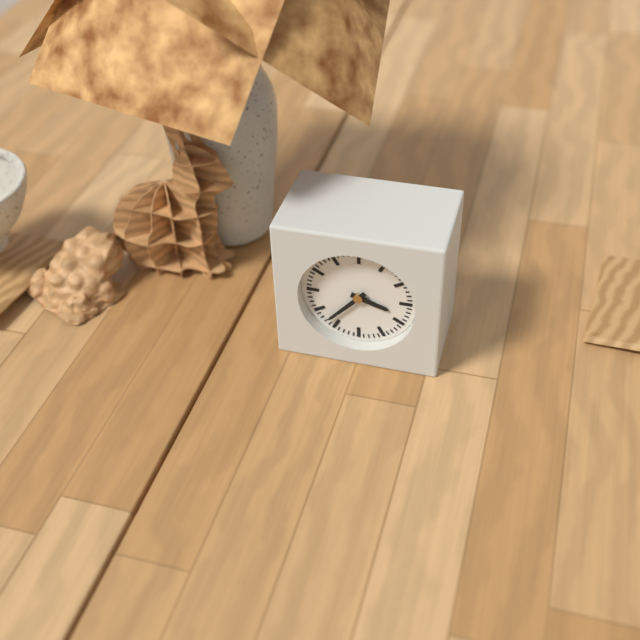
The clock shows h=3 m=37
